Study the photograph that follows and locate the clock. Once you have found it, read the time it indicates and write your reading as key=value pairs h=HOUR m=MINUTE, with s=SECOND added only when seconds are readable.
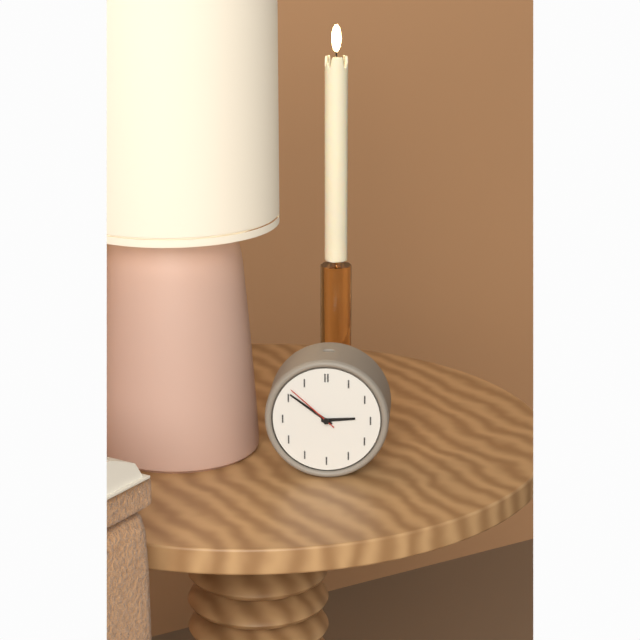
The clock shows h=2 m=51 s=52
